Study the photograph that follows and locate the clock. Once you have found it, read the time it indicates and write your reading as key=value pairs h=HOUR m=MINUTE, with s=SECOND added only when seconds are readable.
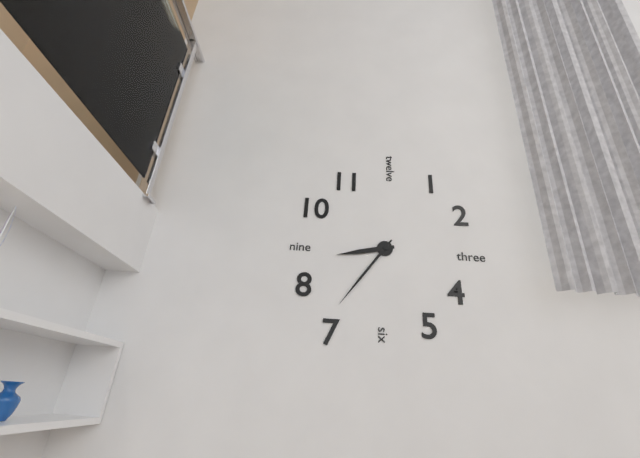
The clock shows h=8 m=36
